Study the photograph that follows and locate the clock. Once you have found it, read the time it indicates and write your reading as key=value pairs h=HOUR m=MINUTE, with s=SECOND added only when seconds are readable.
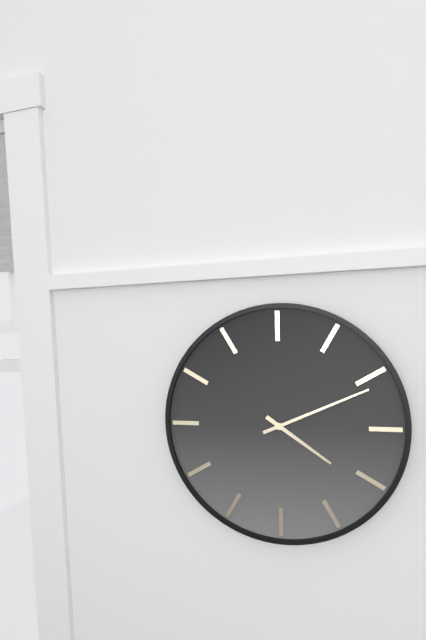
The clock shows h=4 m=11
